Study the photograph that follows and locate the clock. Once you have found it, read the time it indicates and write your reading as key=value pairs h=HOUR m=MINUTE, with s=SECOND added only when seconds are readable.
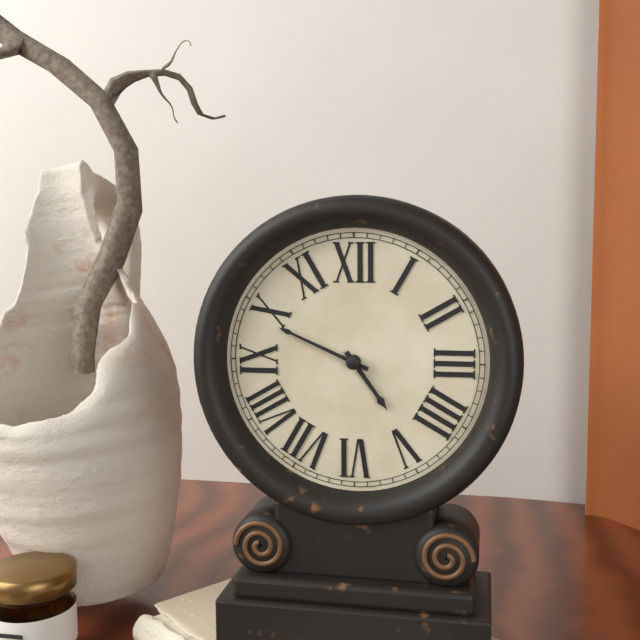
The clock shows h=4 m=49
